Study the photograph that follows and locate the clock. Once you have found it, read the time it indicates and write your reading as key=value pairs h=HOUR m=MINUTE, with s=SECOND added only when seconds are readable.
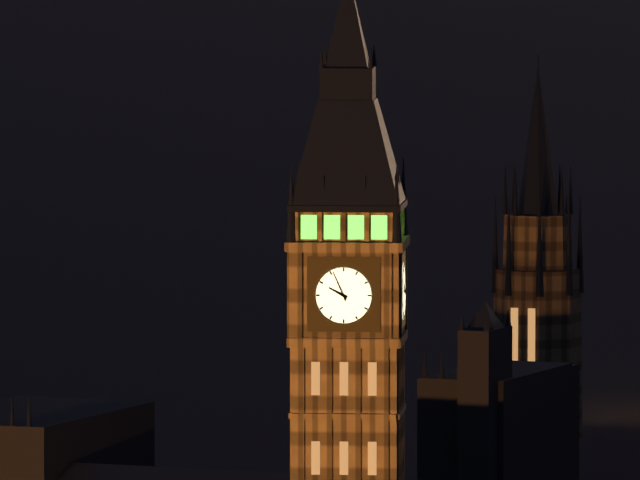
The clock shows h=9 m=56
